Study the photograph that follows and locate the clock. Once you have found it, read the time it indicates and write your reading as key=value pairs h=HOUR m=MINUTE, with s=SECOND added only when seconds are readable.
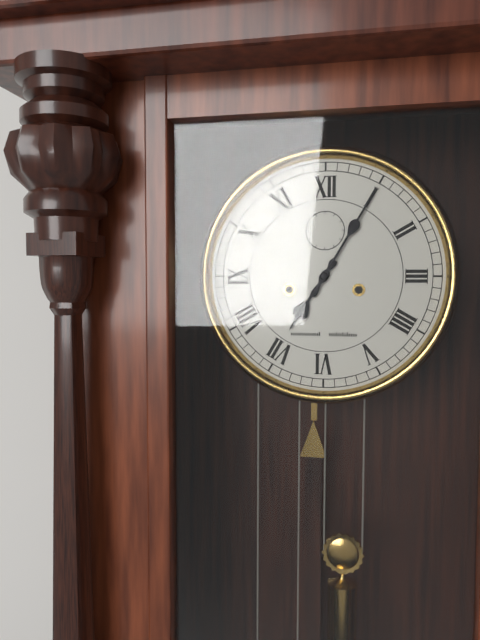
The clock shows h=7 m=5
